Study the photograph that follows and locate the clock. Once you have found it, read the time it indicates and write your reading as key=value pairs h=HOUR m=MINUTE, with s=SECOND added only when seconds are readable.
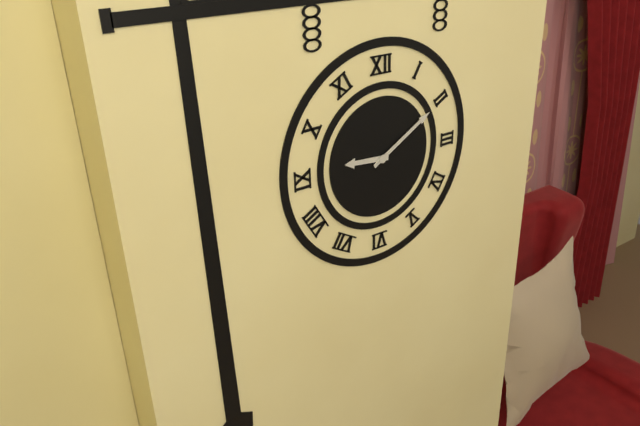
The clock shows h=9 m=10
